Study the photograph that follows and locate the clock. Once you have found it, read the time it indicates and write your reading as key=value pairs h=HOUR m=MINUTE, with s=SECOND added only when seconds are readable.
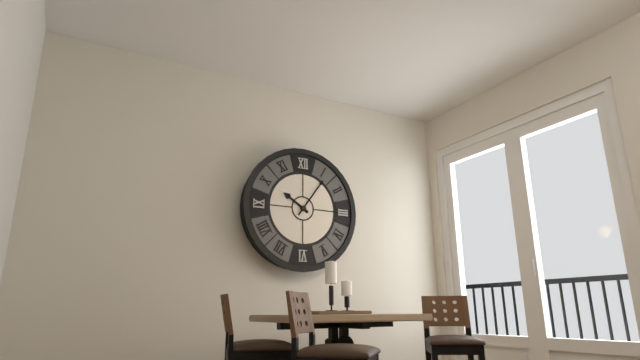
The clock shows h=10 m=6
